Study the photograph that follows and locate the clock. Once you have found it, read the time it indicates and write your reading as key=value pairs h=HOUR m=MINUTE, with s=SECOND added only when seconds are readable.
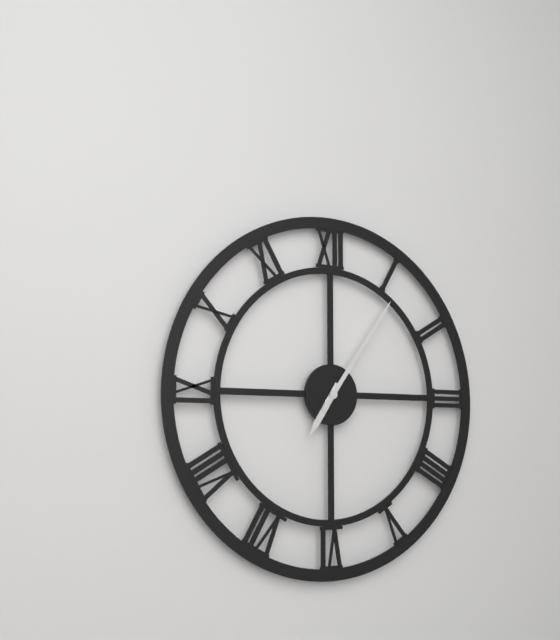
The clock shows h=7 m=6
